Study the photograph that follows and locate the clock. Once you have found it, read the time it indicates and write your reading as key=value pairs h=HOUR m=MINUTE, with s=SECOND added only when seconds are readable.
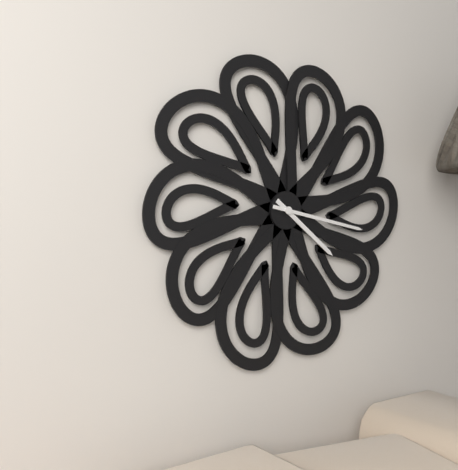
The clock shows h=4 m=17
